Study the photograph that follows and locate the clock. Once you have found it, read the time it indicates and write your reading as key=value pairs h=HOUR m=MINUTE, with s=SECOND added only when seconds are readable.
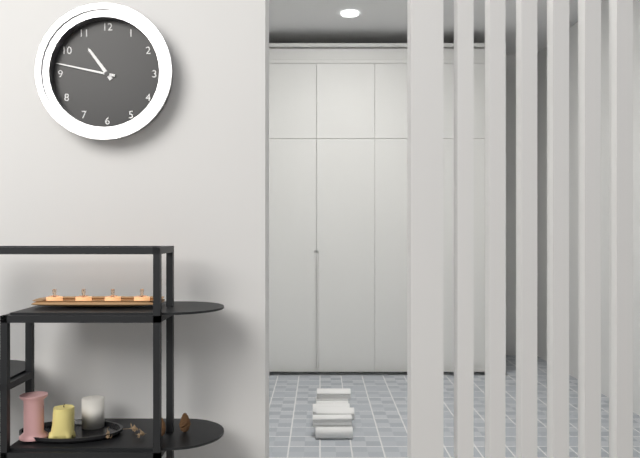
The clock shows h=10 m=47
